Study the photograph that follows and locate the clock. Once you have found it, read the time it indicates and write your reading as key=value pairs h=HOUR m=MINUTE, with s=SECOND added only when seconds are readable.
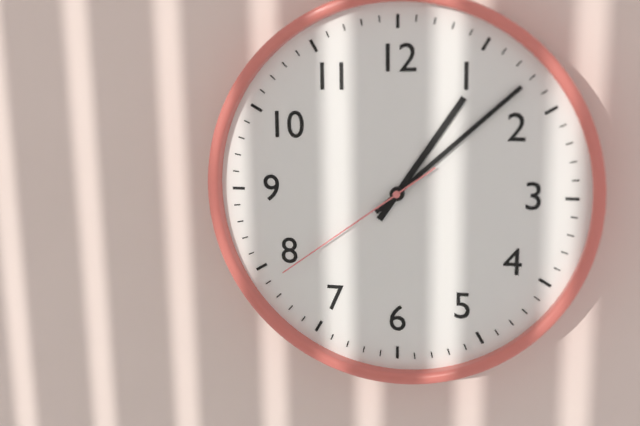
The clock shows h=1 m=8 s=39
